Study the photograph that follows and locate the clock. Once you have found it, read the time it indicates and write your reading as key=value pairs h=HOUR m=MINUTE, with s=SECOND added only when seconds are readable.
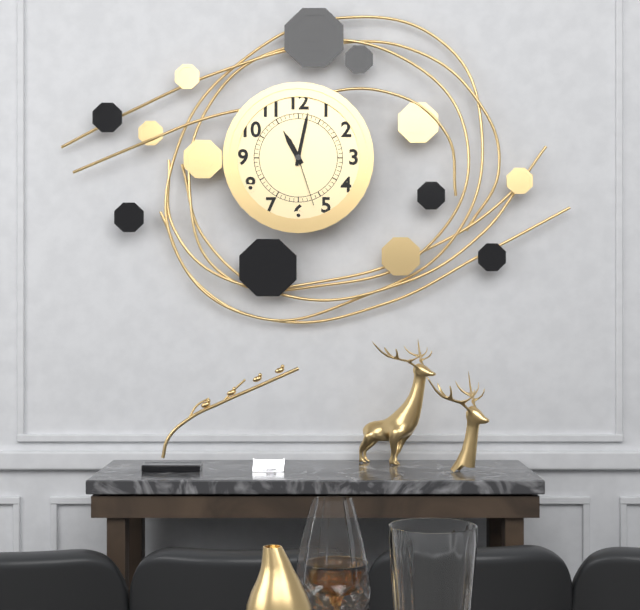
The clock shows h=11 m=2 s=27
